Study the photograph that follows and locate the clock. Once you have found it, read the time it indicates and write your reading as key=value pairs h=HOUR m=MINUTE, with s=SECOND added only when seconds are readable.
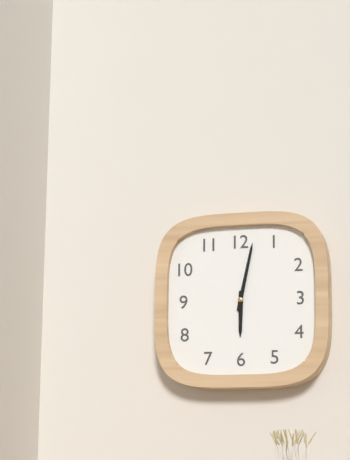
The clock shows h=6 m=2
